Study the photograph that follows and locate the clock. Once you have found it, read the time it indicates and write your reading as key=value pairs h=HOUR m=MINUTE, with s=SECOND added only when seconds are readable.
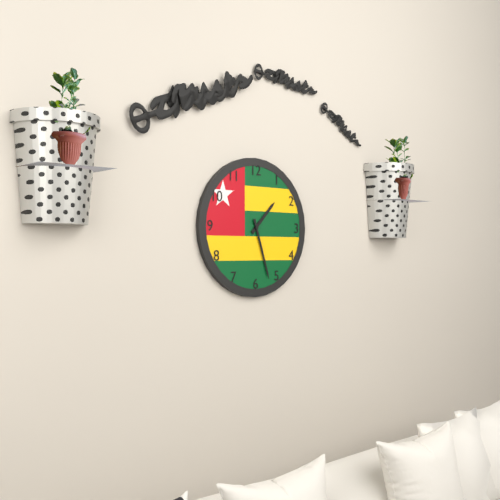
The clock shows h=1 m=27
